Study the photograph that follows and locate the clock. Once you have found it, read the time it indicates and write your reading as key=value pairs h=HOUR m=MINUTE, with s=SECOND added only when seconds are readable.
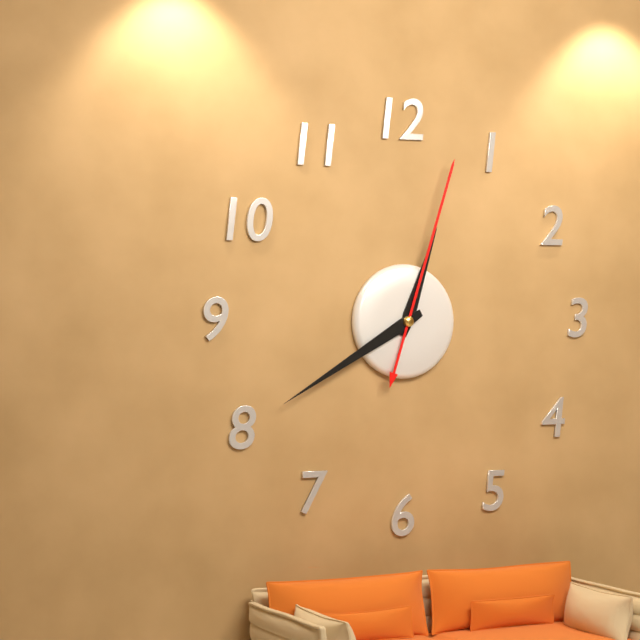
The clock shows h=12 m=40 s=3
